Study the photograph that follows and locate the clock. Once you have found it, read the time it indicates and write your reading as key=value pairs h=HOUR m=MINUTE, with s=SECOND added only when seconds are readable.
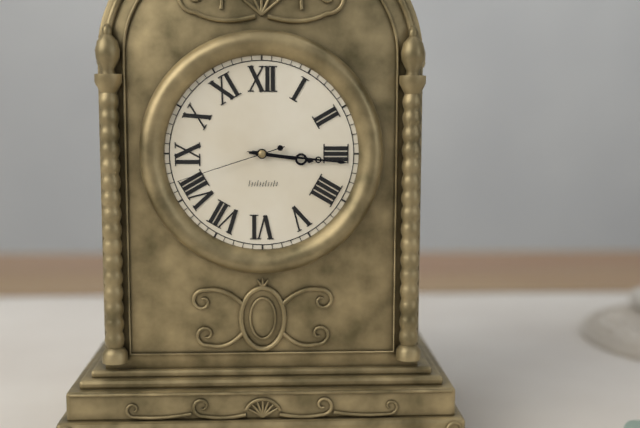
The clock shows h=3 m=16 s=42
